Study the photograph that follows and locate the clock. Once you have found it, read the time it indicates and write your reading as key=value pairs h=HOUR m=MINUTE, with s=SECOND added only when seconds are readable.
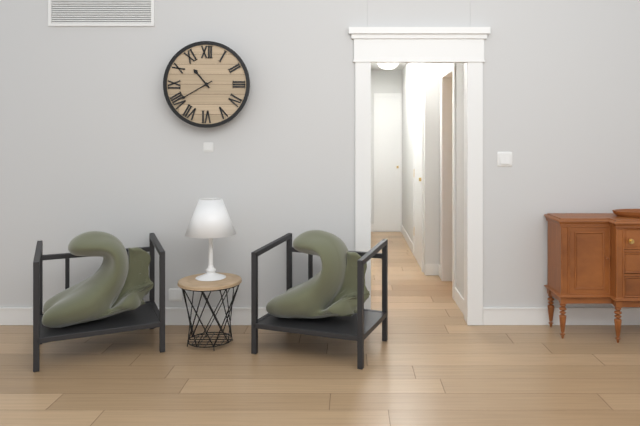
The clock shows h=10 m=40
